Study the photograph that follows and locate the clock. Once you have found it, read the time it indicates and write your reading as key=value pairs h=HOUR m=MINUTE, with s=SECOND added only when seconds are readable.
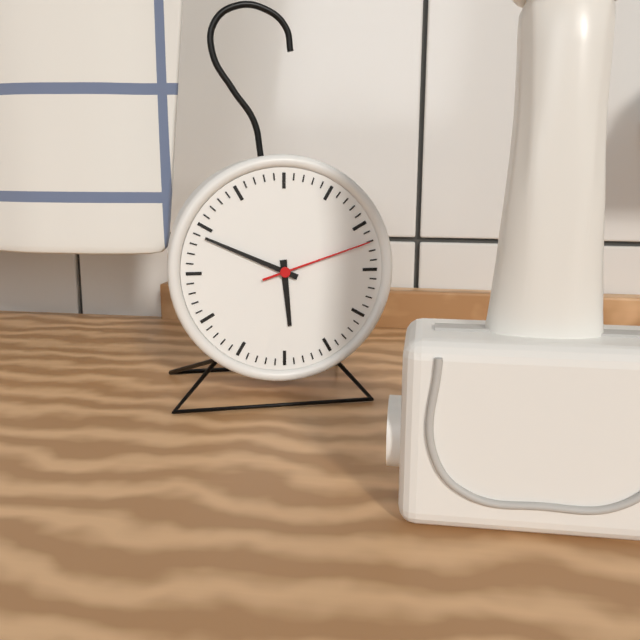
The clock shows h=5 m=49 s=12
